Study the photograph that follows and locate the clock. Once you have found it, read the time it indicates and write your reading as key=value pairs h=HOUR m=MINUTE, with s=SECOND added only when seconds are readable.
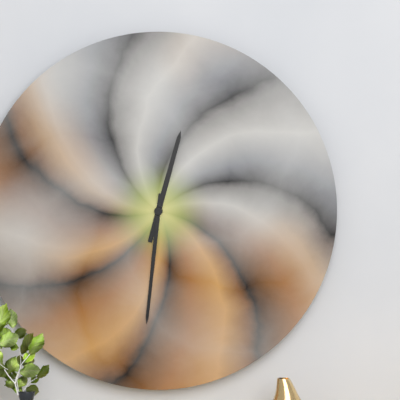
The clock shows h=12 m=31
